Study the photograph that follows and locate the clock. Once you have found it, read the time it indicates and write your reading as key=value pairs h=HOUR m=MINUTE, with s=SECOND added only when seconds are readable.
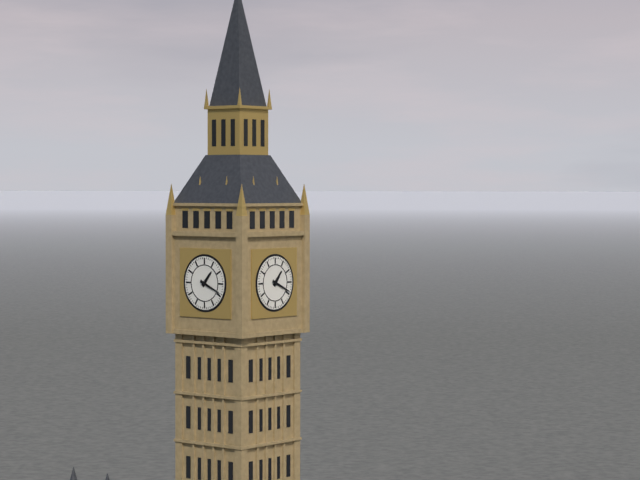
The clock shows h=1 m=19
